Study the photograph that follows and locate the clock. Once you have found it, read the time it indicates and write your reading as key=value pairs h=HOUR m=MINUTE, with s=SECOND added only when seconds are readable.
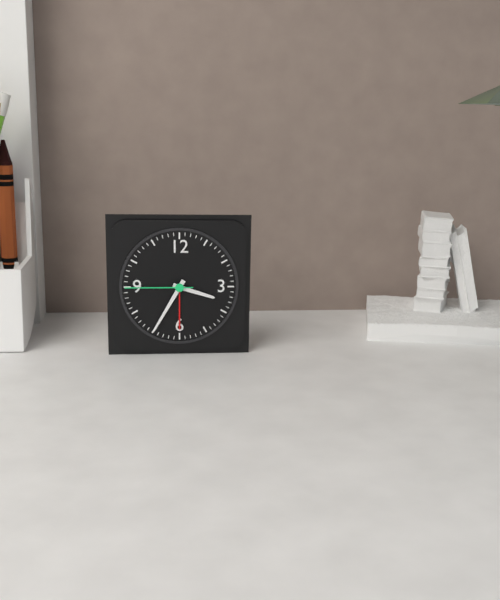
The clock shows h=3 m=35 s=45
